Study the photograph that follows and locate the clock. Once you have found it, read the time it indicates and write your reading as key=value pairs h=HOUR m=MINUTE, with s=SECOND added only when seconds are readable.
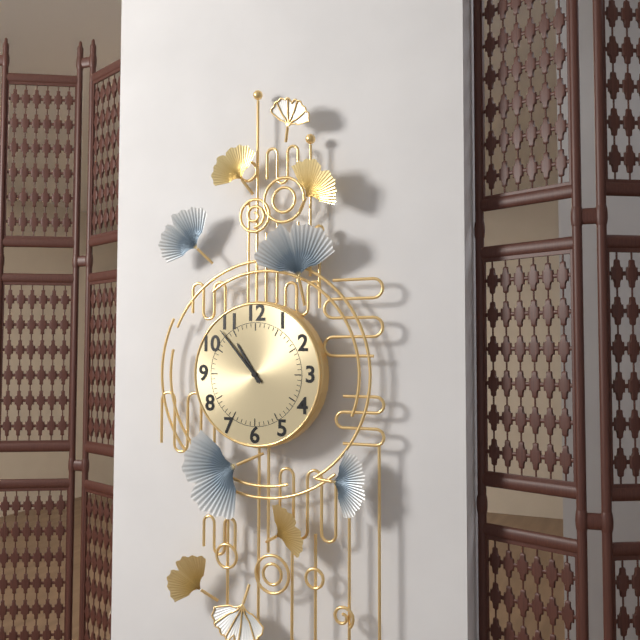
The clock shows h=10 m=53
